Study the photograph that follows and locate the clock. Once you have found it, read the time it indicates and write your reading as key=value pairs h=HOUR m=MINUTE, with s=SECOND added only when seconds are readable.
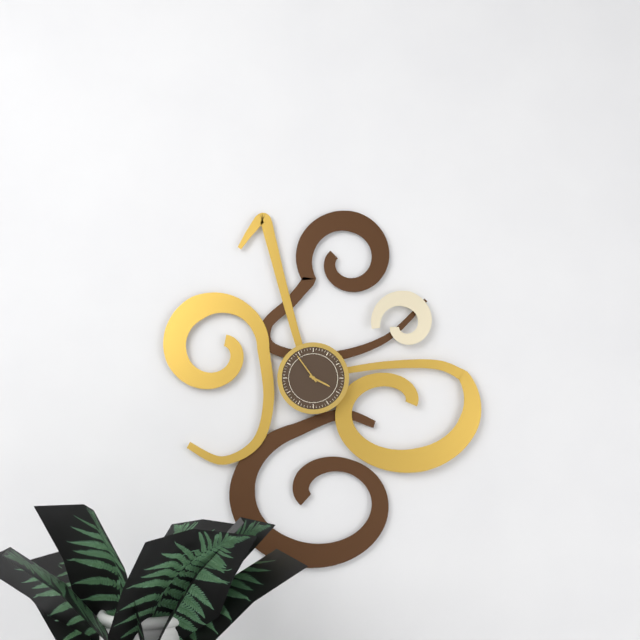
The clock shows h=3 m=54
